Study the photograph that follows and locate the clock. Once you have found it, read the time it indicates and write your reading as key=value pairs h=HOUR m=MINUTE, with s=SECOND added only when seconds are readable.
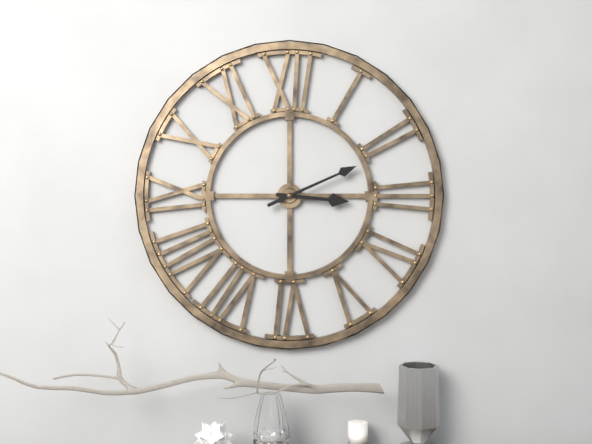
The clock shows h=3 m=11
